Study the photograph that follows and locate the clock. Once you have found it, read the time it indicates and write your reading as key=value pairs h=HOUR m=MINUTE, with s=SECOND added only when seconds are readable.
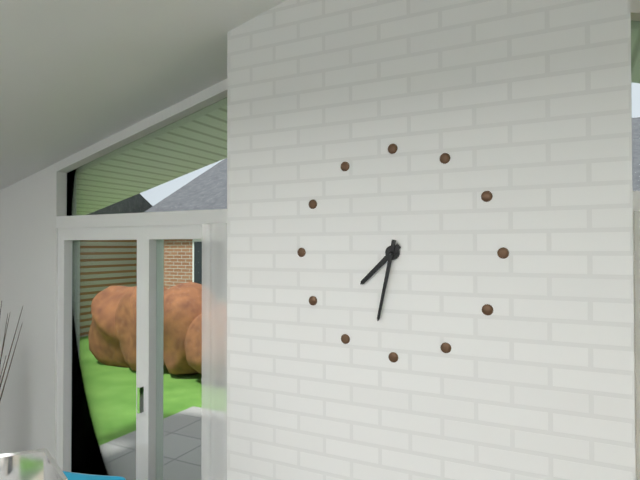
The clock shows h=7 m=32
